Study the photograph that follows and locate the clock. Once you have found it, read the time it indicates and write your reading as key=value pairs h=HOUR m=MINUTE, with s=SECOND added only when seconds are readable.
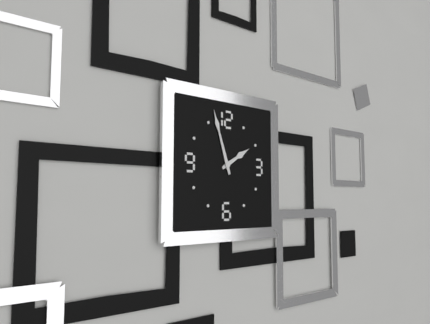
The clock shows h=1 m=57
